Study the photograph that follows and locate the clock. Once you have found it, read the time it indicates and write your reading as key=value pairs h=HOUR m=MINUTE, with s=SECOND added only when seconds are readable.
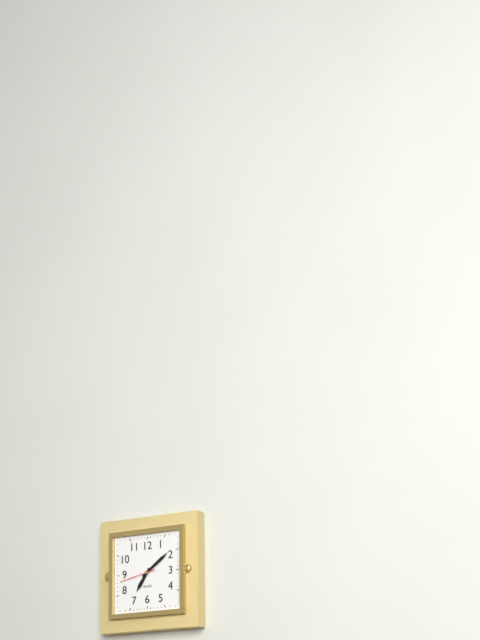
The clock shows h=7 m=9
